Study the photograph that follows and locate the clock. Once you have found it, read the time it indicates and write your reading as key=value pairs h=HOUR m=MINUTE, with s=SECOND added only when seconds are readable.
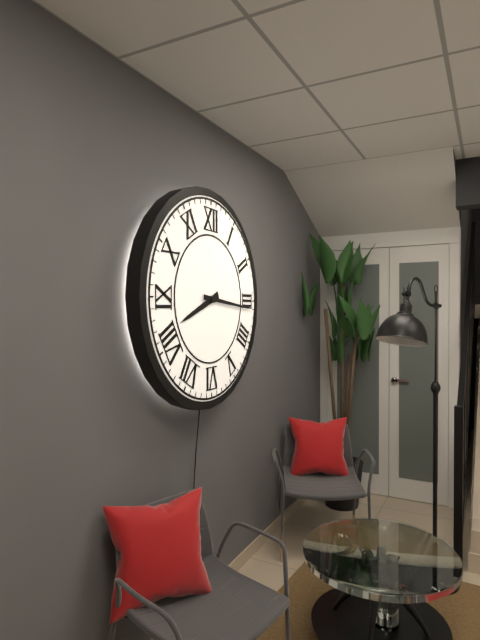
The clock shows h=8 m=16
